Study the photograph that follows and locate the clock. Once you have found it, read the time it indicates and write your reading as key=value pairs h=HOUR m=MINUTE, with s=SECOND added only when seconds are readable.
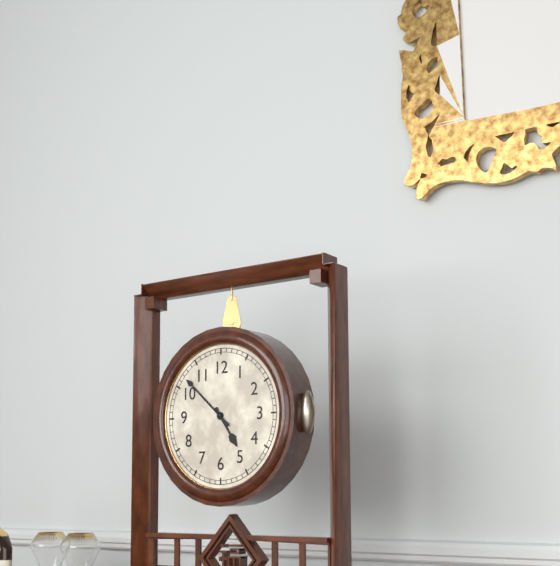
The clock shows h=4 m=52
